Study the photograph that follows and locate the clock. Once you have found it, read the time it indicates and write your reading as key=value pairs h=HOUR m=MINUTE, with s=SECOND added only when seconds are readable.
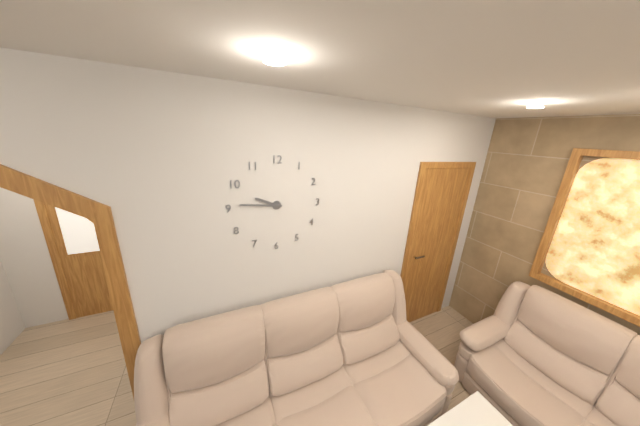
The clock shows h=9 m=46
